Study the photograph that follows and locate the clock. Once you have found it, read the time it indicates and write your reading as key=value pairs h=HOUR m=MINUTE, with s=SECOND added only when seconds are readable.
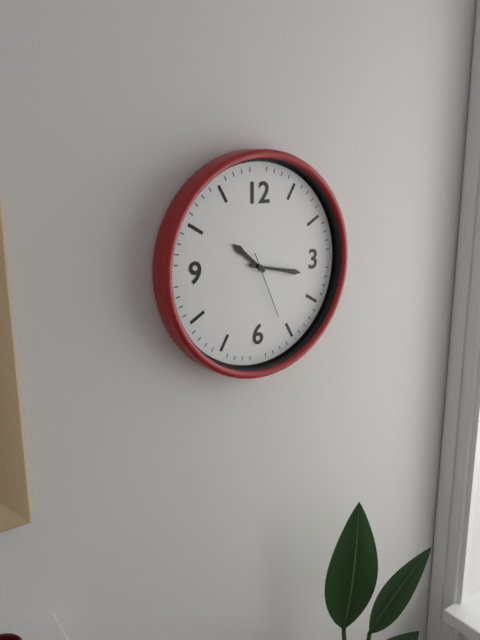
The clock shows h=10 m=17 s=26
